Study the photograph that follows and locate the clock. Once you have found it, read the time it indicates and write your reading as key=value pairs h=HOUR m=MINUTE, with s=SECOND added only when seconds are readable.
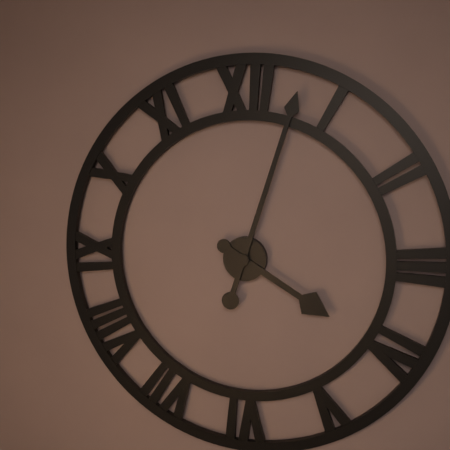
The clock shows h=4 m=3
